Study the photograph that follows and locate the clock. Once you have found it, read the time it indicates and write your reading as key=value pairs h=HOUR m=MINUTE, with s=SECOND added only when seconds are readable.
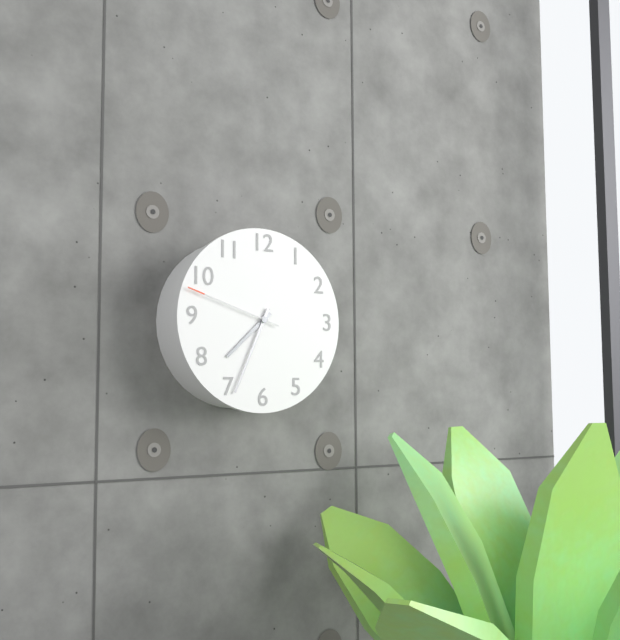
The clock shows h=7 m=34 s=48
